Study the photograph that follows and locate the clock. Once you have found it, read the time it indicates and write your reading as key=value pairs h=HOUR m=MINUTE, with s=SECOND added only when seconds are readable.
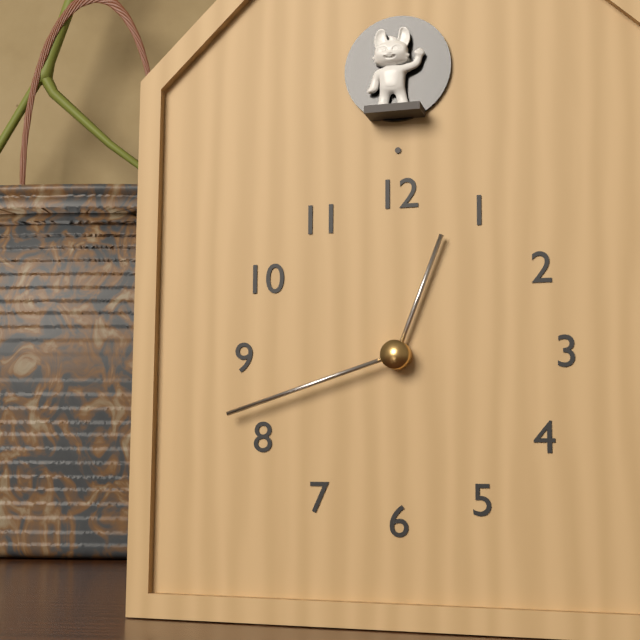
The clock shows h=12 m=42
